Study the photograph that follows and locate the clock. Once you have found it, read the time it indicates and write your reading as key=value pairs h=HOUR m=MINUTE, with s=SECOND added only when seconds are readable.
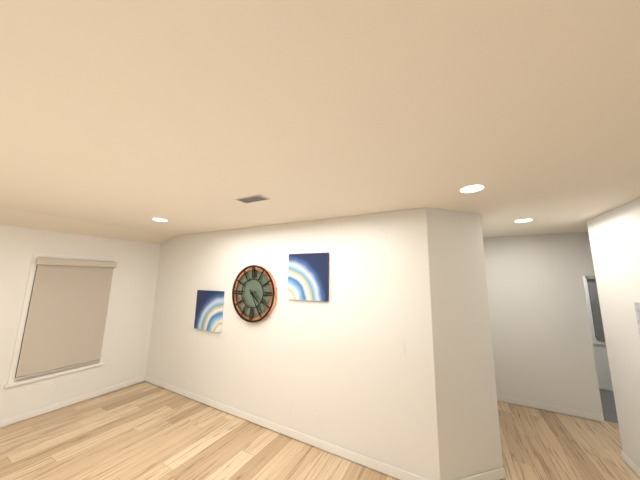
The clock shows h=4 m=25
